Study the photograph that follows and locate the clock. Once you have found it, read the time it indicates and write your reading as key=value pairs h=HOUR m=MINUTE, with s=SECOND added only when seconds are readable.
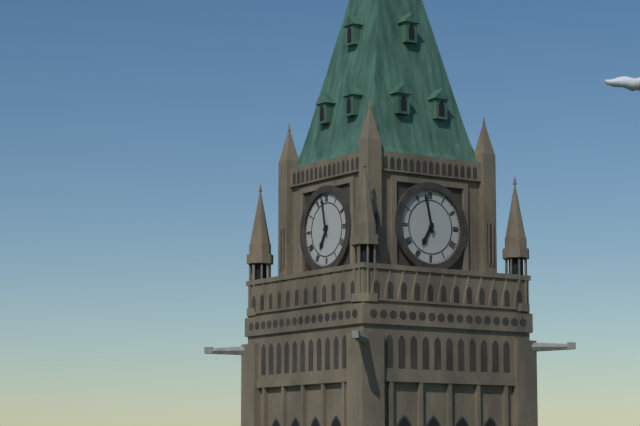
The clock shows h=6 m=58
